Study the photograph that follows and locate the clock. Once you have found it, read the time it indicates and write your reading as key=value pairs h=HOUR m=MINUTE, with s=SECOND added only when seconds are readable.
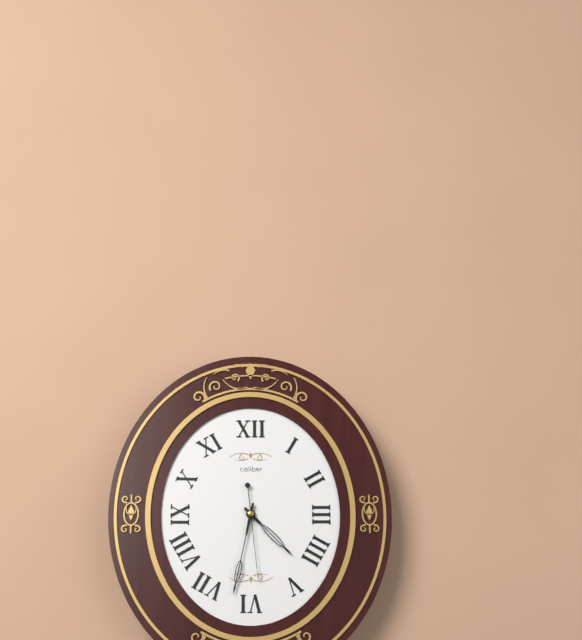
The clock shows h=4 m=32 s=29
